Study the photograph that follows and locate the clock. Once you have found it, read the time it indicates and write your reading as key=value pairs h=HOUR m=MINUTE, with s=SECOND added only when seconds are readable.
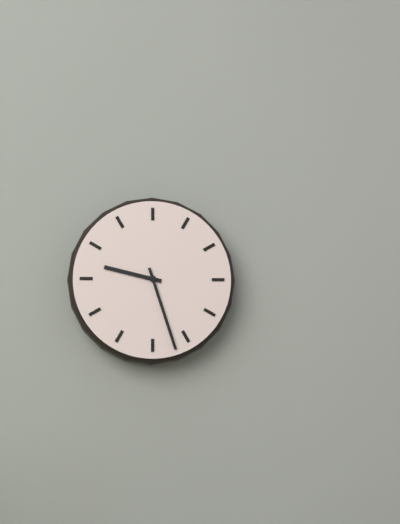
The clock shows h=9 m=27
